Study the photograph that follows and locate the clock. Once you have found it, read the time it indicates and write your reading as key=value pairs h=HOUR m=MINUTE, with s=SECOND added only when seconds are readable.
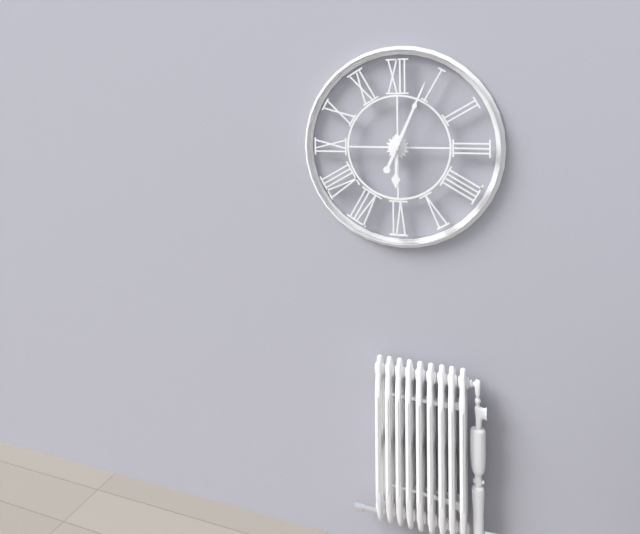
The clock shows h=6 m=4
